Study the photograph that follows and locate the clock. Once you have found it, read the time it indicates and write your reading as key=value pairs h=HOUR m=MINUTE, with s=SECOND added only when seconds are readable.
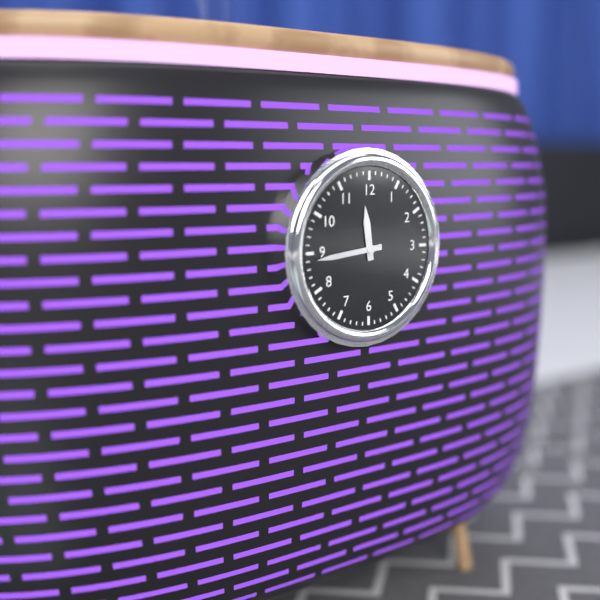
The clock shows h=11 m=44
